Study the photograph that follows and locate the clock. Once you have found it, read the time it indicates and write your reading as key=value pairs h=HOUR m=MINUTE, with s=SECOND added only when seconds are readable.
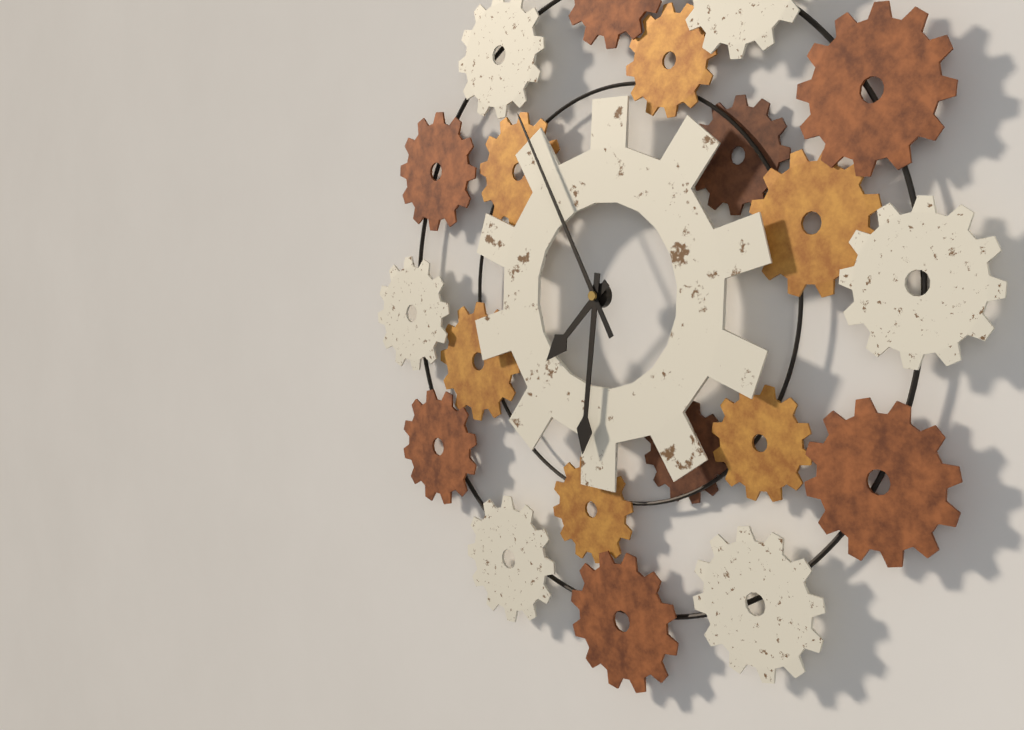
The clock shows h=7 m=31 s=55
